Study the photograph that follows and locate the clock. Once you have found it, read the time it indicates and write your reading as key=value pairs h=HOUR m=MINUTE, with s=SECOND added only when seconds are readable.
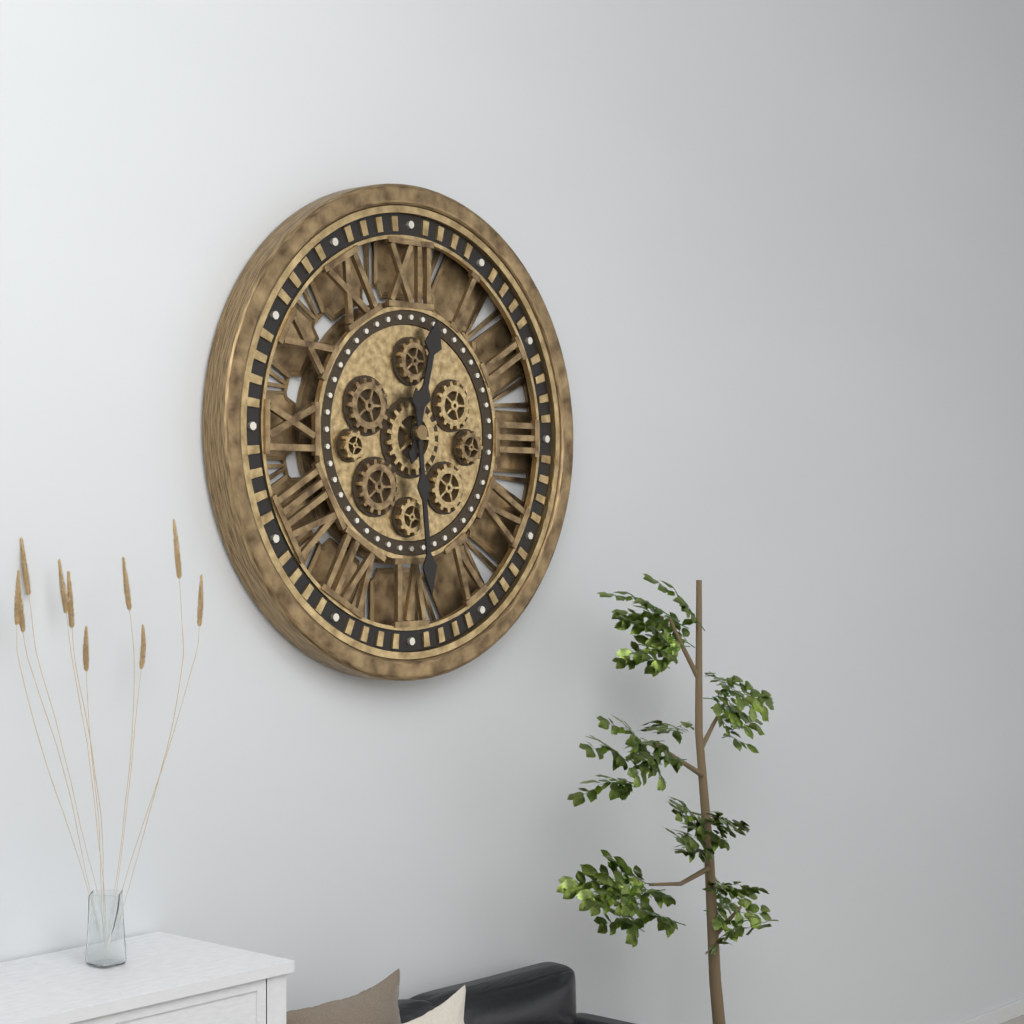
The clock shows h=12 m=29
